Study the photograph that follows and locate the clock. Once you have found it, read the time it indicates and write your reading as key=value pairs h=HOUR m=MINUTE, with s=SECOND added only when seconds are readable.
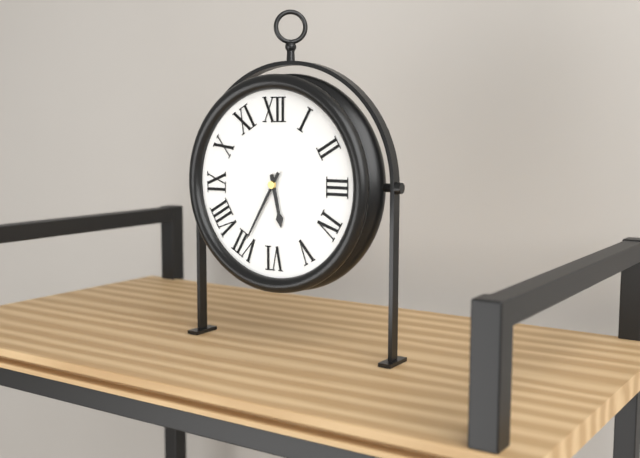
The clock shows h=5 m=35
